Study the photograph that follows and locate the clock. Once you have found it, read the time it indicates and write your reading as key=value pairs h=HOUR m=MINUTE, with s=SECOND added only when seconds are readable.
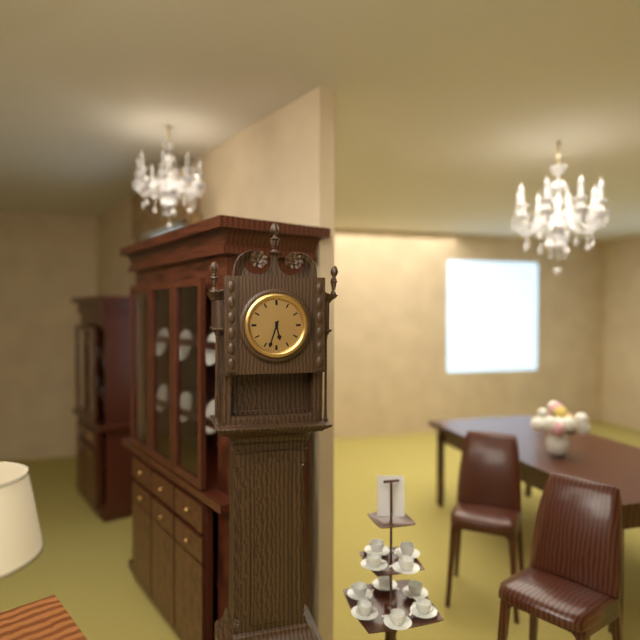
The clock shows h=5 m=33
